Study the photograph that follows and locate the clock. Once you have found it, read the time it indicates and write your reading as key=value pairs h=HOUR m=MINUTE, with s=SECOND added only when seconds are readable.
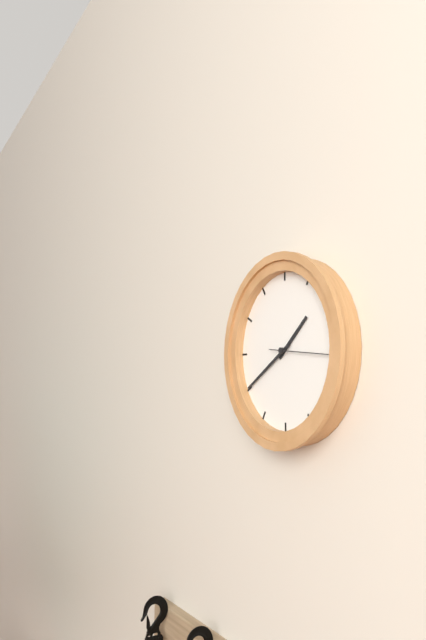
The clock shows h=1 m=40 s=16
